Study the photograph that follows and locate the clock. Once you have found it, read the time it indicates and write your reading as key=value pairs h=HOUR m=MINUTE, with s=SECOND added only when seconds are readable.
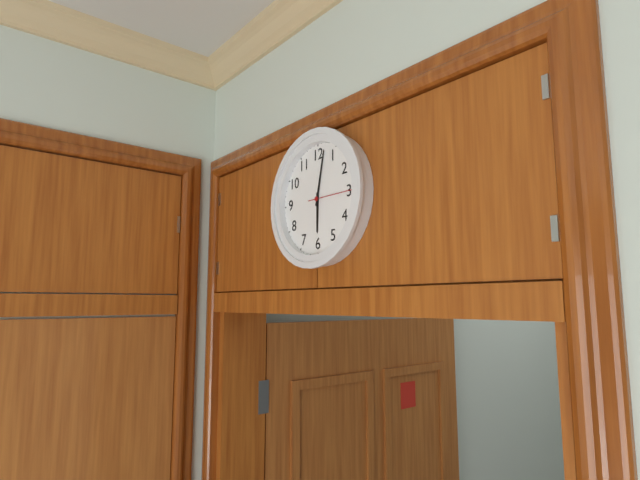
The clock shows h=6 m=2
